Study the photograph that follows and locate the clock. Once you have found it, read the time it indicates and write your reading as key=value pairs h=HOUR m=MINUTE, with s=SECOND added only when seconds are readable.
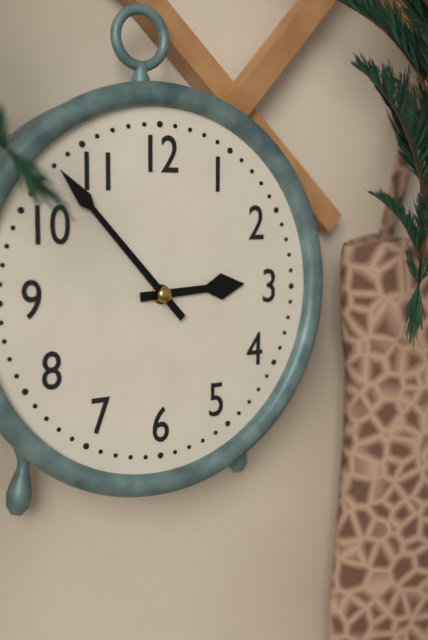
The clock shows h=2 m=53
